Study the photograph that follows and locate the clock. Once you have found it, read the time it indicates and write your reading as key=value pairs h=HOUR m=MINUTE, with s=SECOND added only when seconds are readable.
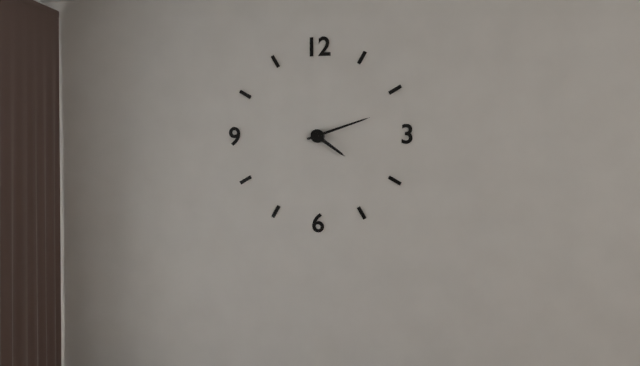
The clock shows h=4 m=12
